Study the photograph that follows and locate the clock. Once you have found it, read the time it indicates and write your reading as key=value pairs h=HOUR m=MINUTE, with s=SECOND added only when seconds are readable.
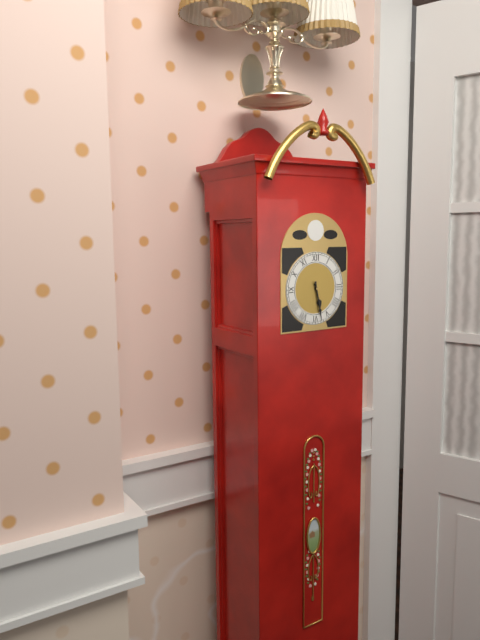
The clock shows h=5 m=28
